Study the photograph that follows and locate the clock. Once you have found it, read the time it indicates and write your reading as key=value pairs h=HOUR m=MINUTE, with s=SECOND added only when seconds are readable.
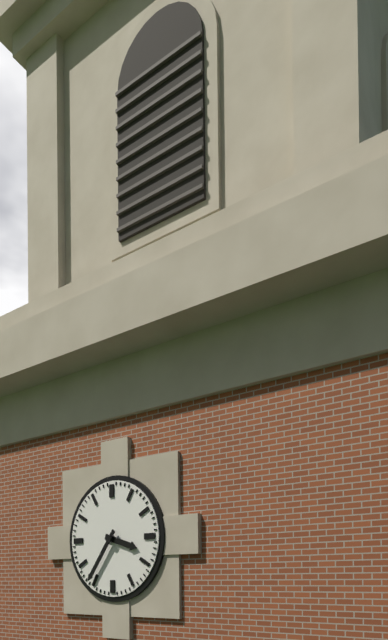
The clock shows h=3 m=36
